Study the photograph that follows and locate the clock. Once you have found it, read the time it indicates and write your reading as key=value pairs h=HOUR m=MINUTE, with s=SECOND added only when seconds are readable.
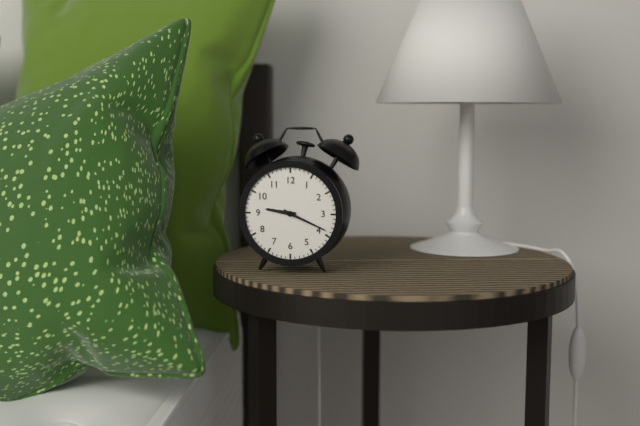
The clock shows h=9 m=19
